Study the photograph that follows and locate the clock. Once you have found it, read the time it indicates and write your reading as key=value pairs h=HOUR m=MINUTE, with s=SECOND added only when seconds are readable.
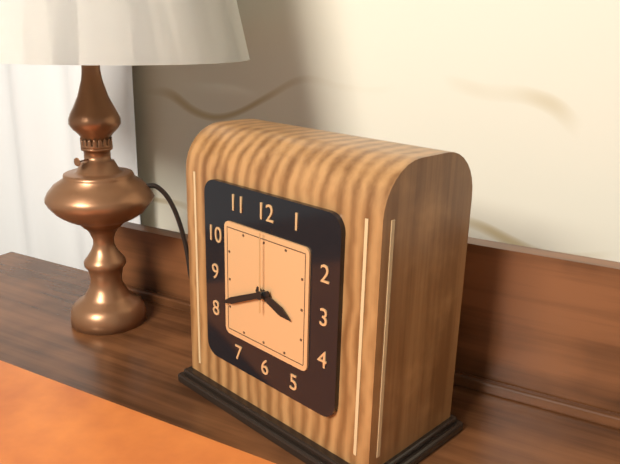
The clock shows h=3 m=41 s=0
